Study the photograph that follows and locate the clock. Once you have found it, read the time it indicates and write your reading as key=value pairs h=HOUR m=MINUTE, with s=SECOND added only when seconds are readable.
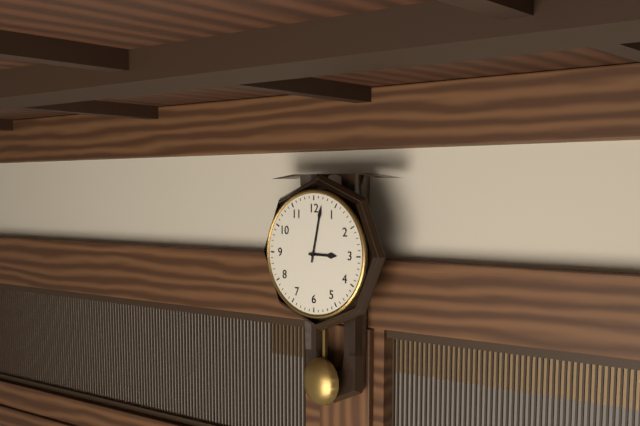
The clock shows h=3 m=2
